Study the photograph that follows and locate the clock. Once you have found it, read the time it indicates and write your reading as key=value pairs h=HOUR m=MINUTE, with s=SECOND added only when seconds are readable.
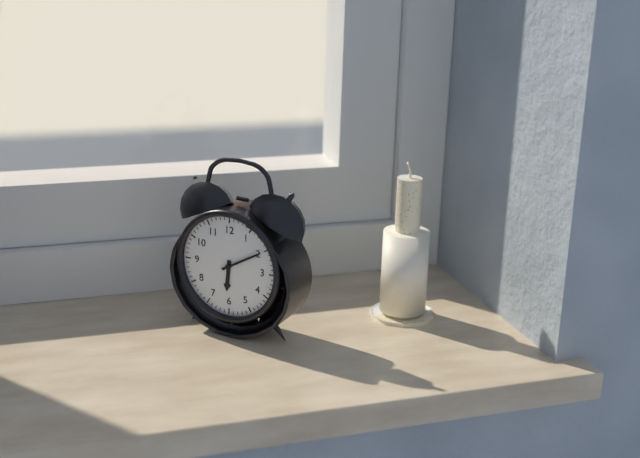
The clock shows h=6 m=10
